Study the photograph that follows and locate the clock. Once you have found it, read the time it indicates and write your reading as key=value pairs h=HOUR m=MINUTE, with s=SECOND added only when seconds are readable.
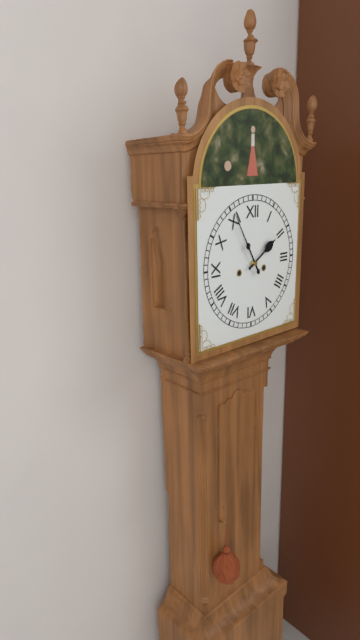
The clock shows h=1 m=55
